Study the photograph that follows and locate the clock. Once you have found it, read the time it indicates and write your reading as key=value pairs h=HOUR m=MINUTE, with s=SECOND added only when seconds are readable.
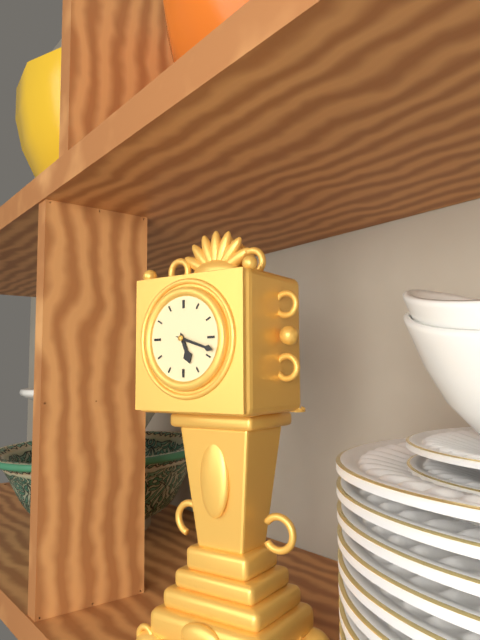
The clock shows h=5 m=18
